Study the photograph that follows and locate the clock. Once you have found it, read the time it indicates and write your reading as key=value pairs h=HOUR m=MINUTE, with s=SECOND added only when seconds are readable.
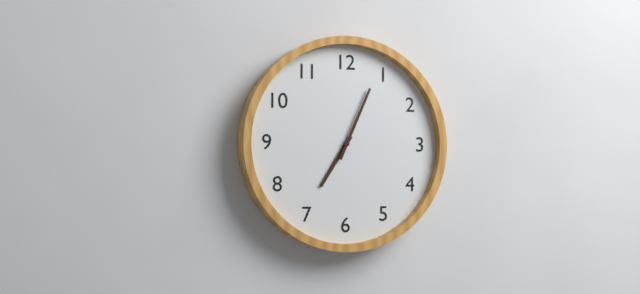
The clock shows h=7 m=4
